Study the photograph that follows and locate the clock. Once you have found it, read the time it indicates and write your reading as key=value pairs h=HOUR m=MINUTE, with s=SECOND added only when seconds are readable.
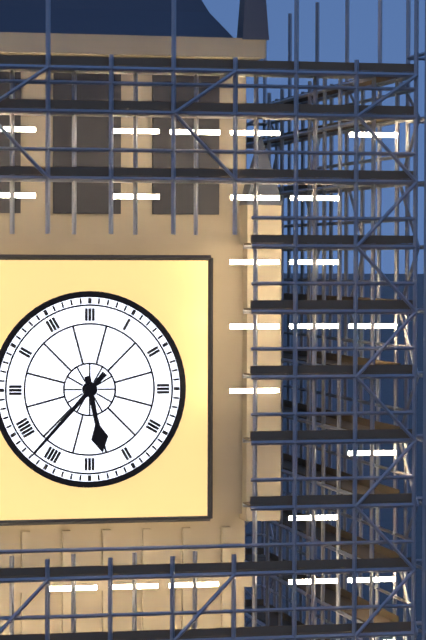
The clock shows h=5 m=37
